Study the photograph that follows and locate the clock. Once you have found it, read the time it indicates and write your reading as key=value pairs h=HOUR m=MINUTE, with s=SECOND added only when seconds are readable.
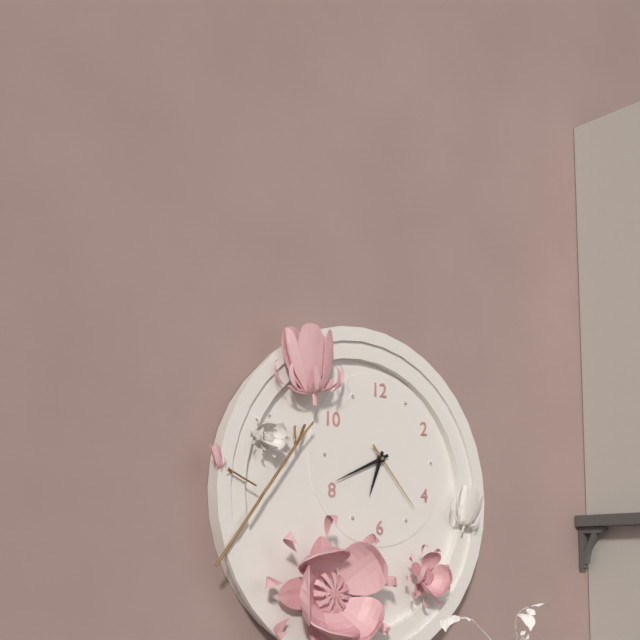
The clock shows h=6 m=41 s=23
